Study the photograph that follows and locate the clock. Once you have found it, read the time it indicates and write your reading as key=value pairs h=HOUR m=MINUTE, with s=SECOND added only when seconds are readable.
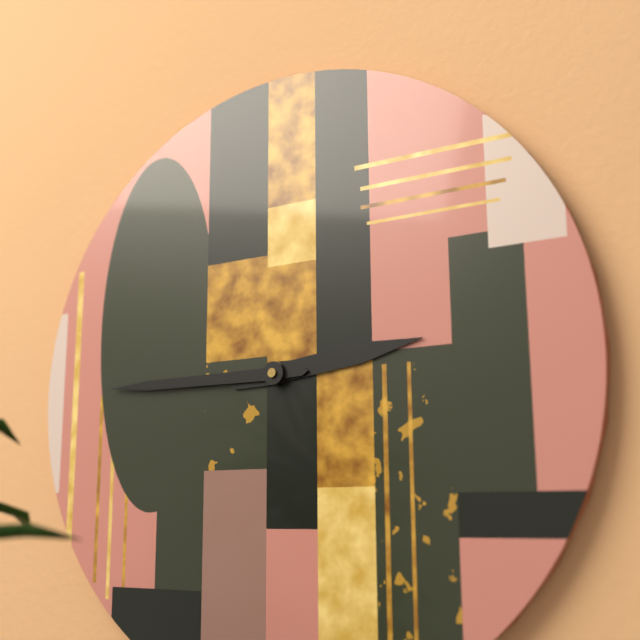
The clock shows h=2 m=45
